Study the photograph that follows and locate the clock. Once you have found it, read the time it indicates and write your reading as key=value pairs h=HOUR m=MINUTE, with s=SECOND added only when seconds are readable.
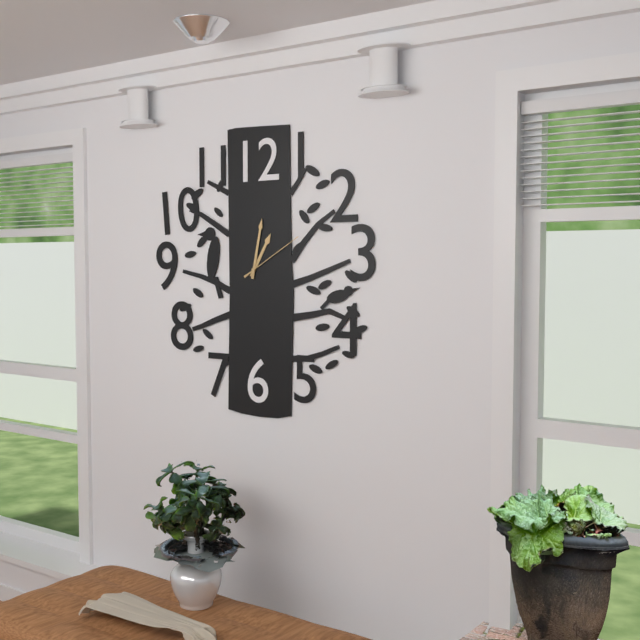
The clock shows h=1 m=2 s=10
